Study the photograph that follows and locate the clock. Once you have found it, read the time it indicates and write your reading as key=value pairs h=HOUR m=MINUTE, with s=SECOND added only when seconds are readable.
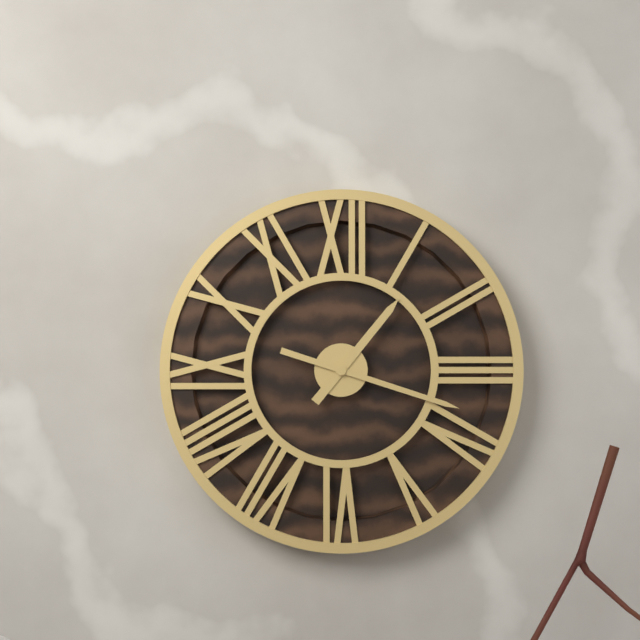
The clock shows h=1 m=18
